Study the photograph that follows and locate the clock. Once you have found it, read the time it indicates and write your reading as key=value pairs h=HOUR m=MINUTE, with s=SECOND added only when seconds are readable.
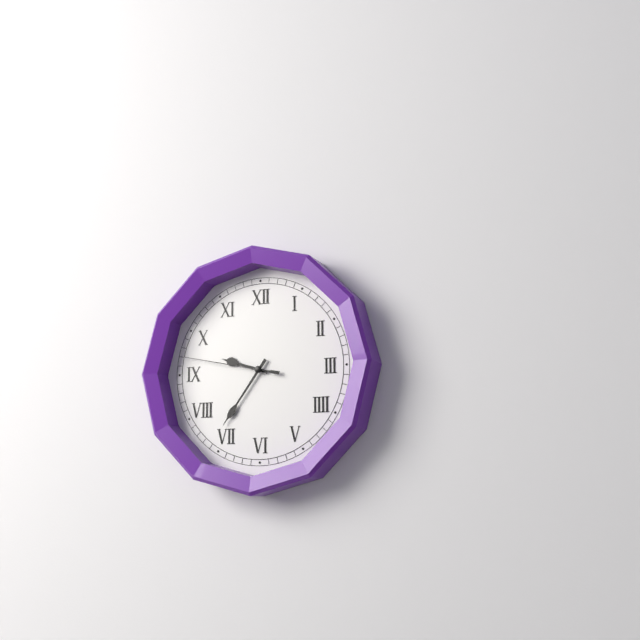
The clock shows h=9 m=36 s=47
